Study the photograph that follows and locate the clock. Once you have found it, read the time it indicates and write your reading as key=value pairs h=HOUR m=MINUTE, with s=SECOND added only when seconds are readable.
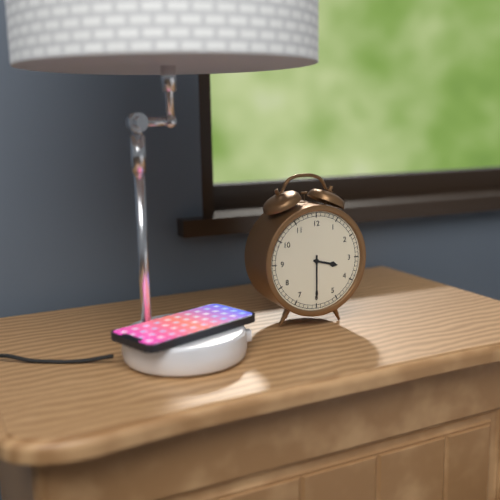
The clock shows h=3 m=30
